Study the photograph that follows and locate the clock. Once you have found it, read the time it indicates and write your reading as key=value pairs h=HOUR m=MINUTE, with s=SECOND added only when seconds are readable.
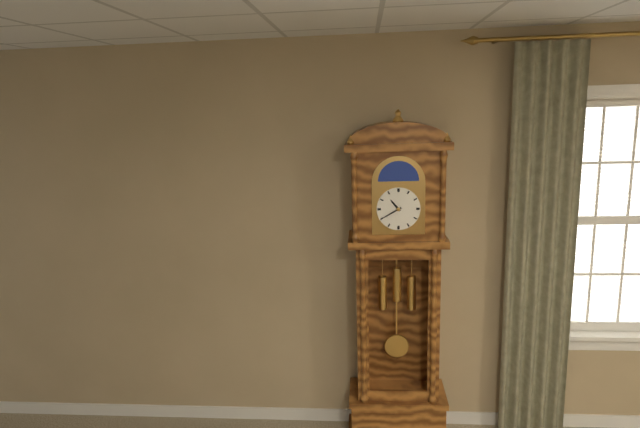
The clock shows h=10 m=40
